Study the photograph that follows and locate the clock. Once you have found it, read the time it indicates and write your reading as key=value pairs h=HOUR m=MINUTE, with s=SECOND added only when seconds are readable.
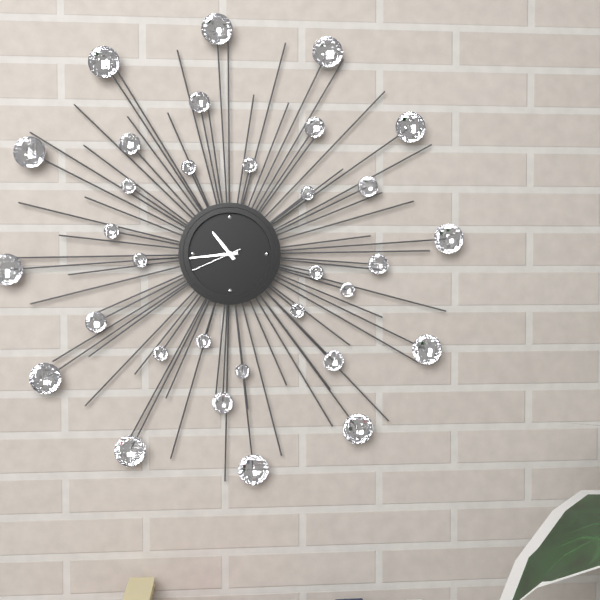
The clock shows h=10 m=44 s=41
